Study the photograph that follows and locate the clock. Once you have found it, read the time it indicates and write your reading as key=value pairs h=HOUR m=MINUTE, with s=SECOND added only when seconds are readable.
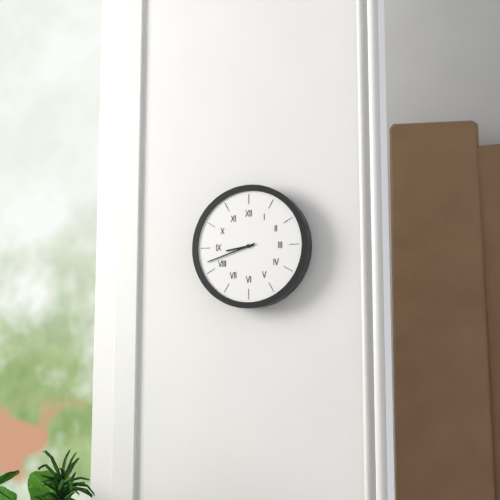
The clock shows h=8 m=42
